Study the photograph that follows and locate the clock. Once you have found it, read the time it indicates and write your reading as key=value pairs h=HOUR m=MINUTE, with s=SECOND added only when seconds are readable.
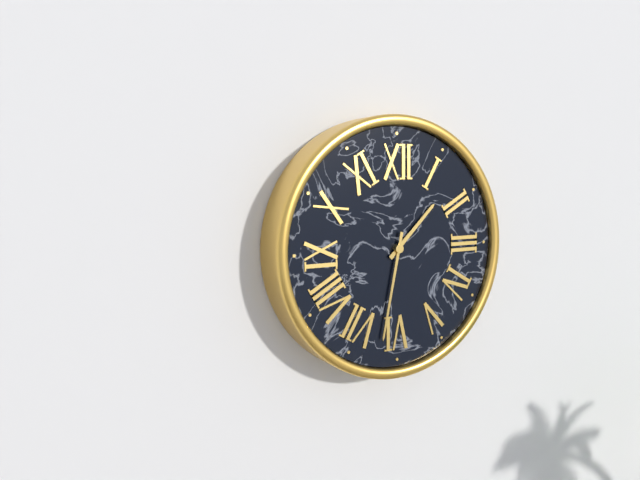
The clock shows h=1 m=32
